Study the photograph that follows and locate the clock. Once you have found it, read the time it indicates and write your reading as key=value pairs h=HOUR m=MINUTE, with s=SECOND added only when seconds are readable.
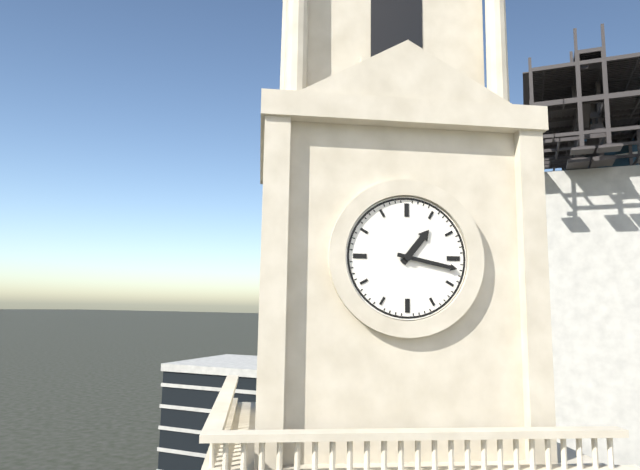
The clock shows h=1 m=17
